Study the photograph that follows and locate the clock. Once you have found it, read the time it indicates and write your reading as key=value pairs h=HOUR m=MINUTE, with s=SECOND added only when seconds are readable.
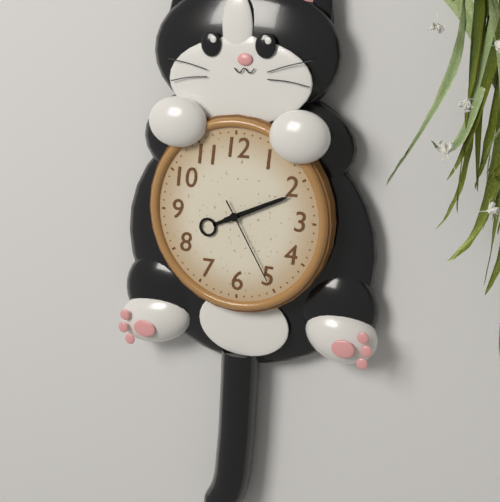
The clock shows h=8 m=11 s=25
